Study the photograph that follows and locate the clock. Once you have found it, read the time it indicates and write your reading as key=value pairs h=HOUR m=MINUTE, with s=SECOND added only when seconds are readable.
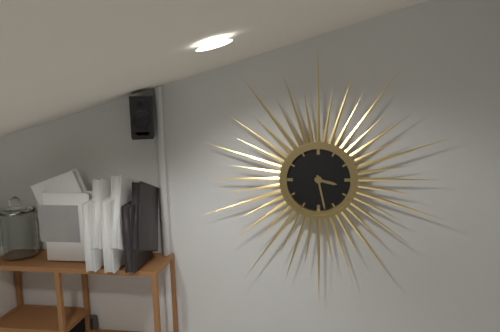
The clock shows h=3 m=28
